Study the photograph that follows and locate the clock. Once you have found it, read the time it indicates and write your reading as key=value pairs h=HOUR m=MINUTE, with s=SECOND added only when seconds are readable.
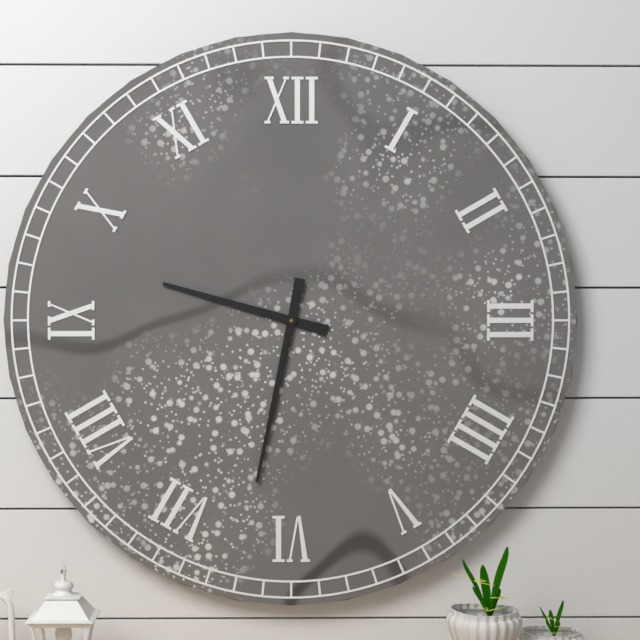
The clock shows h=9 m=32
